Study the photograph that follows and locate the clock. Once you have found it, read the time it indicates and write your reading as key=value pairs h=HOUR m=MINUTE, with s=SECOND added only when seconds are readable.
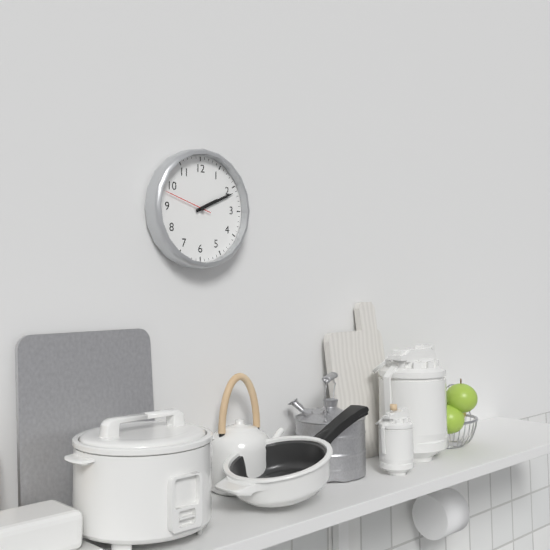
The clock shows h=2 m=11 s=48
